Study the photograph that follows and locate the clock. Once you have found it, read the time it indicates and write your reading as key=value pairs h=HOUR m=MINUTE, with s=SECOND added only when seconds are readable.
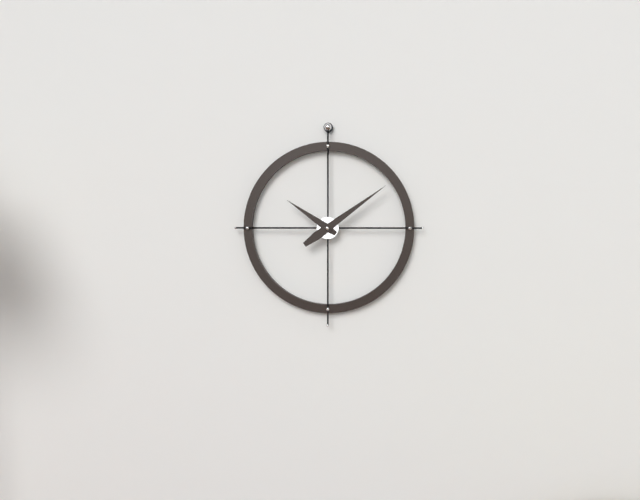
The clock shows h=10 m=9
